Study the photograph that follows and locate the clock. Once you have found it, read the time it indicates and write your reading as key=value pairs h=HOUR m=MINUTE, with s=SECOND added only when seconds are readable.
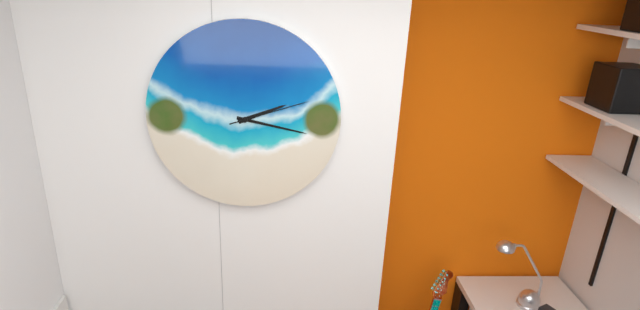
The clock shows h=2 m=17 s=12
